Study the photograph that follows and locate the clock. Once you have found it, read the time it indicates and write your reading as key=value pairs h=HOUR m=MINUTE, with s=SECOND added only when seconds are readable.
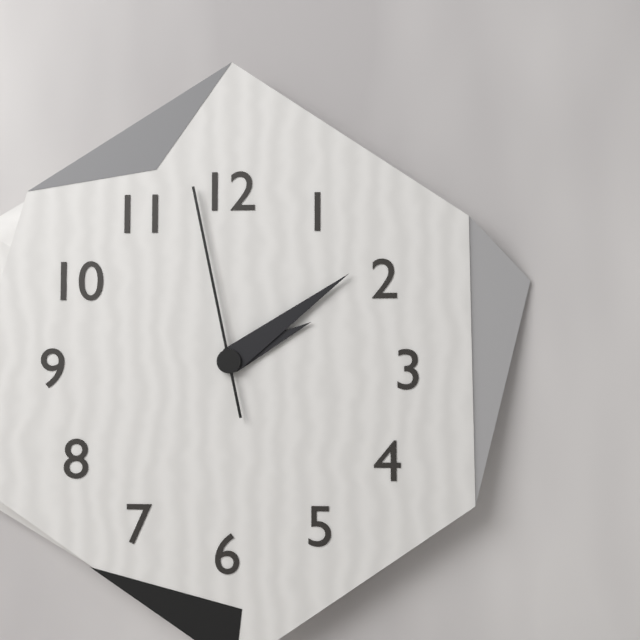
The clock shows h=2 m=9 s=58
